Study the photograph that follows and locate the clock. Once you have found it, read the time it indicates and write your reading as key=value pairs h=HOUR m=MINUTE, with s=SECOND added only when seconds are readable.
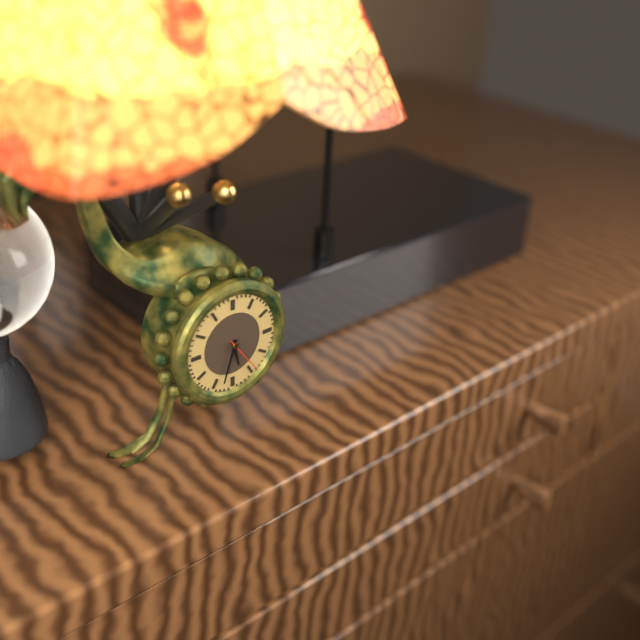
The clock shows h=5 m=33
